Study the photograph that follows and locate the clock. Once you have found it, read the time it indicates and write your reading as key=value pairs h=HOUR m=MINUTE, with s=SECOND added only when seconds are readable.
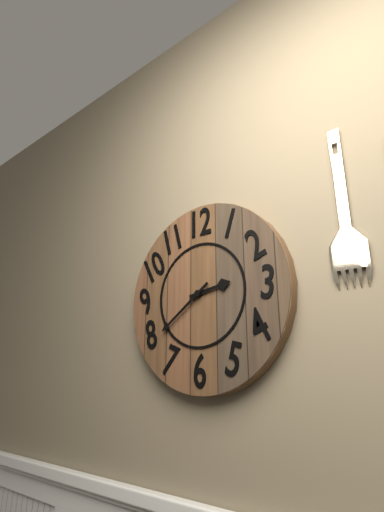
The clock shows h=2 m=39
